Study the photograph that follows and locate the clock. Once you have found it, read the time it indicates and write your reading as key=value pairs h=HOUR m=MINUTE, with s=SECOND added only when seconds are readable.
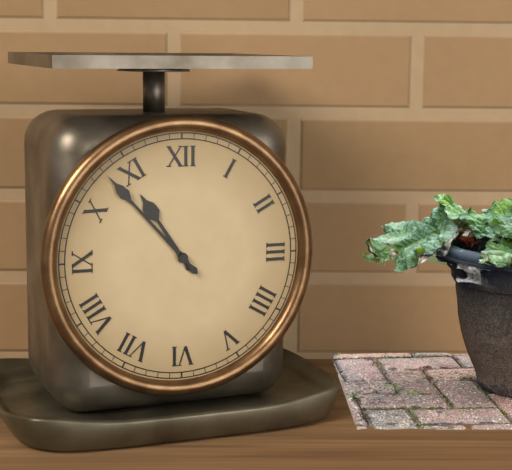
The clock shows h=10 m=53
